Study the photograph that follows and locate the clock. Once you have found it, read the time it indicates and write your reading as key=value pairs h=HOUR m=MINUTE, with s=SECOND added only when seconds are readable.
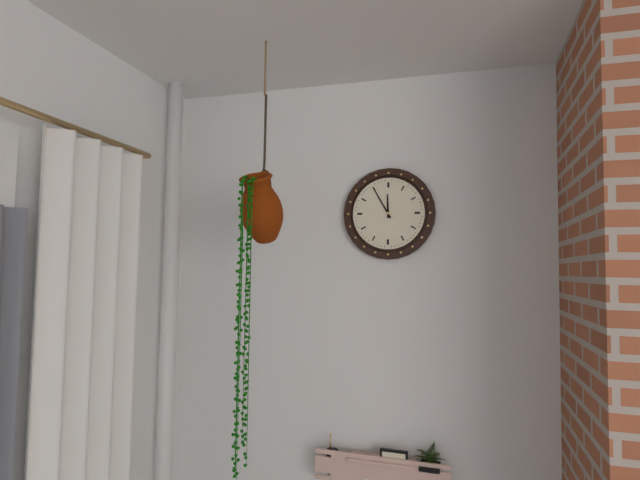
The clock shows h=11 m=55
